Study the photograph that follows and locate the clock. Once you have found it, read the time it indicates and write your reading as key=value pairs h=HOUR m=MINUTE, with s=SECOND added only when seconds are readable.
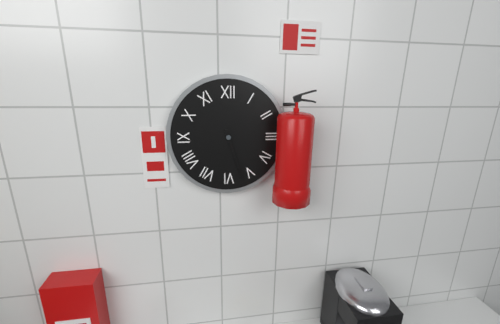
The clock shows h=5 m=27
